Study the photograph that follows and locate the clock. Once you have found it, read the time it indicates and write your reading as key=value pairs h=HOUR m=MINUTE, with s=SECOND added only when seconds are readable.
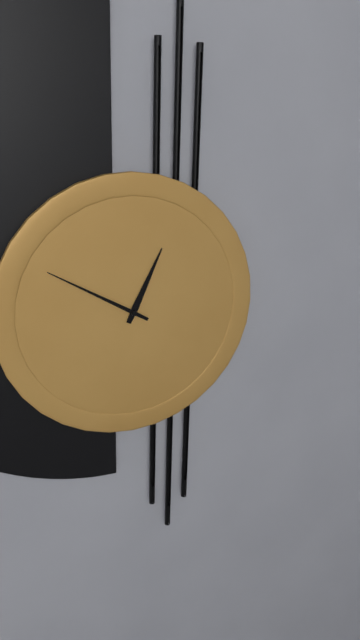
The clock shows h=12 m=50
